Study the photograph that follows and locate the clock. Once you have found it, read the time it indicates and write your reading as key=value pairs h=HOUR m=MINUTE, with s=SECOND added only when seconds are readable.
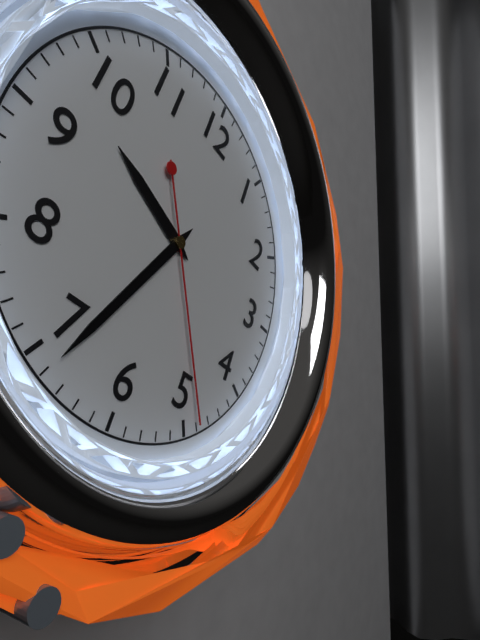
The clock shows h=9 m=34 s=24
